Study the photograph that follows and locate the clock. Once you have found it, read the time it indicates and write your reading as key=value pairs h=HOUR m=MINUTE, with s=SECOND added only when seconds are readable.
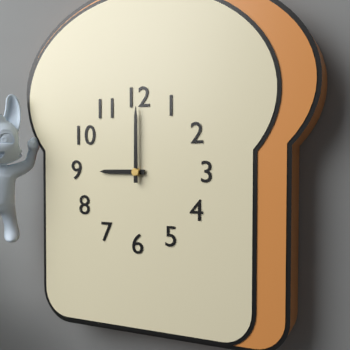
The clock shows h=9 m=0
